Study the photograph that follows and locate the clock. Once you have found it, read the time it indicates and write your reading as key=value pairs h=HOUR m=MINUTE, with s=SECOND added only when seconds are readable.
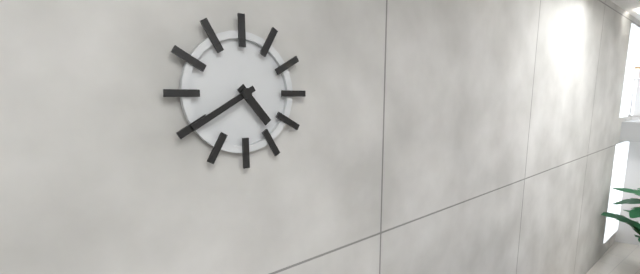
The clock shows h=4 m=40
